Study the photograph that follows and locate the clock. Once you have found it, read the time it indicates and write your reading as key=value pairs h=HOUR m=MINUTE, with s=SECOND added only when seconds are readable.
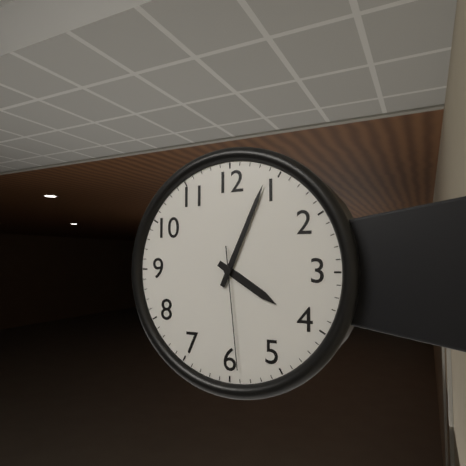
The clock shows h=4 m=4 s=29
